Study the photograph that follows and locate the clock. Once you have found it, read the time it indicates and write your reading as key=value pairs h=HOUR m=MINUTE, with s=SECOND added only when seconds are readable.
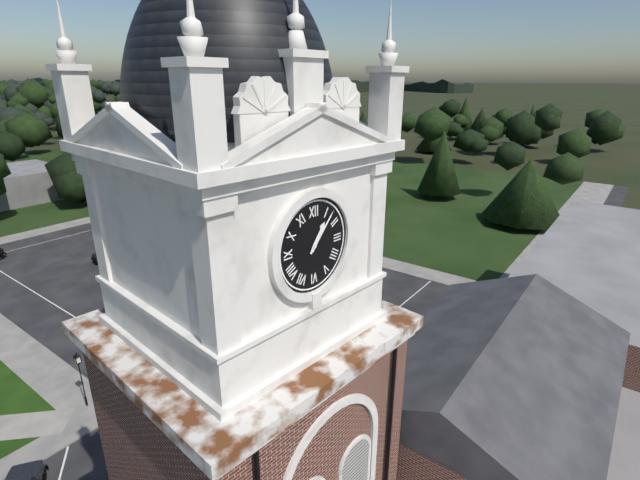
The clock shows h=1 m=7
